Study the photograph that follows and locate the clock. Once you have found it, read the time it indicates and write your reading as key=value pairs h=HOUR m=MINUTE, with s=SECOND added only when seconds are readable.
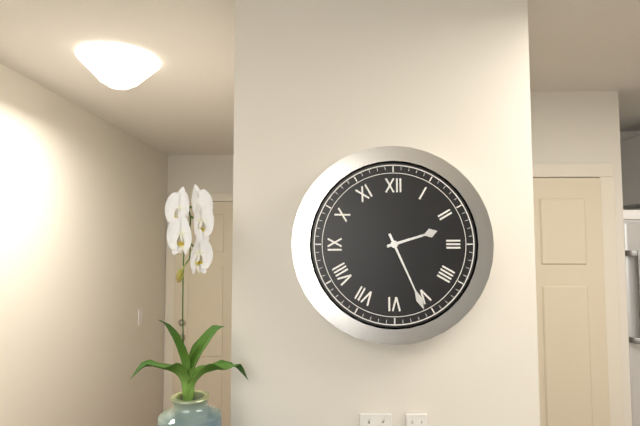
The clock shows h=2 m=26
